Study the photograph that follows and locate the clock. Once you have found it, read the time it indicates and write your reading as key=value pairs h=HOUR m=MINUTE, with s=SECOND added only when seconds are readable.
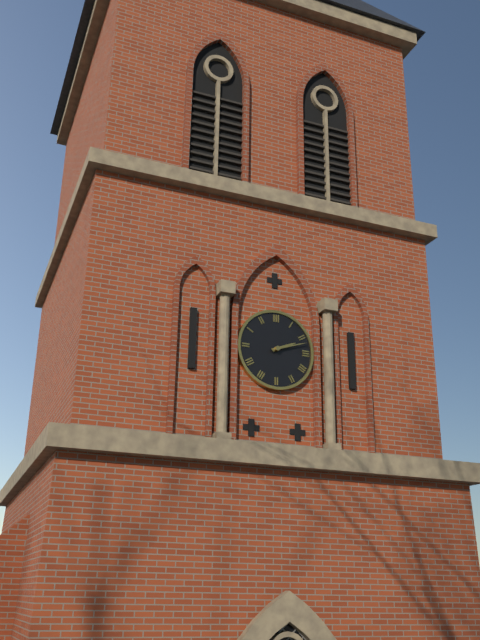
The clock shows h=2 m=12
